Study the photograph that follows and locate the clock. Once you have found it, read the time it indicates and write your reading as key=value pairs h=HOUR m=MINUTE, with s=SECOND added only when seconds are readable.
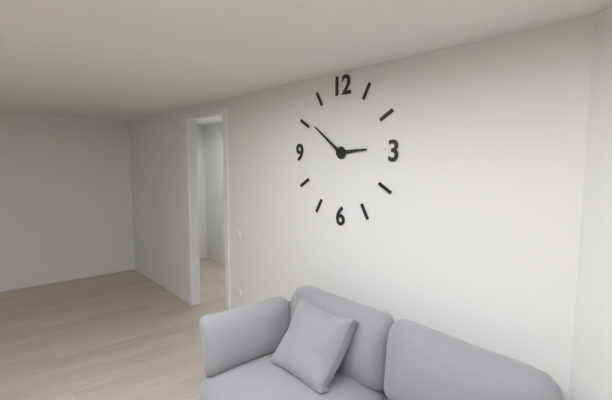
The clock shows h=2 m=51
